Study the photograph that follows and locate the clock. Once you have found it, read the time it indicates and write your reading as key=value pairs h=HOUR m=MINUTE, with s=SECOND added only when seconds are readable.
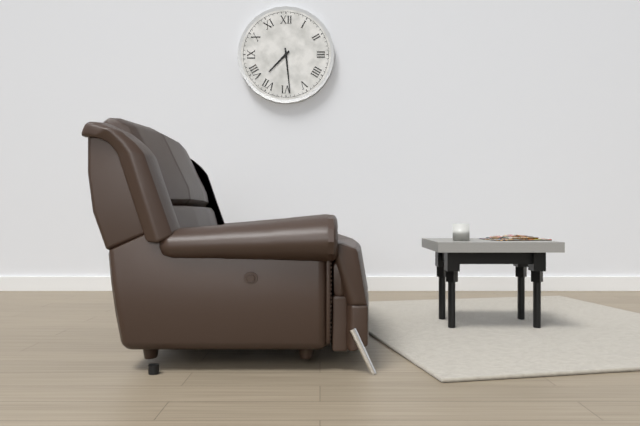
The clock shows h=7 m=29
